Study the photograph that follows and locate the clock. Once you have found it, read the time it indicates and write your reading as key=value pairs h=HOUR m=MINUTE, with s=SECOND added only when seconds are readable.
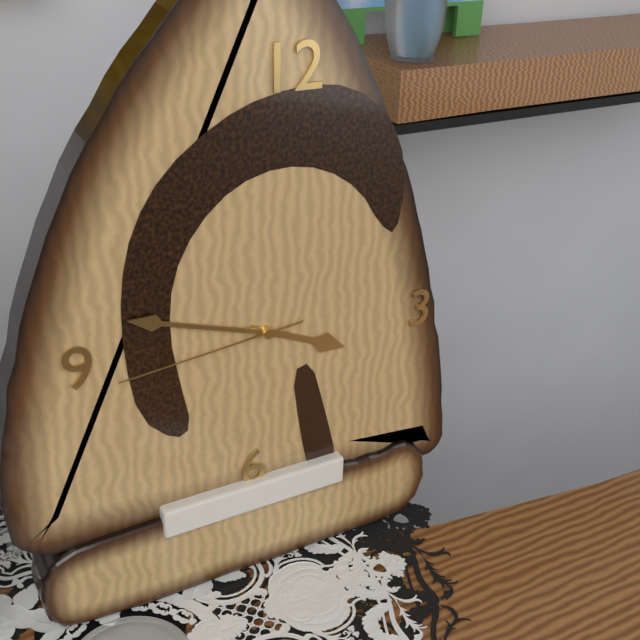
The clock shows h=3 m=48 s=44
